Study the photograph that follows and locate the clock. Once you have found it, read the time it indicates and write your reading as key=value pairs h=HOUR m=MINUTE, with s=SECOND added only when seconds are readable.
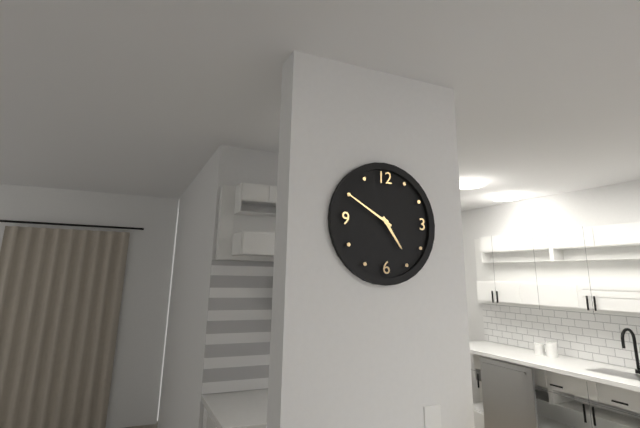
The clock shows h=4 m=50
